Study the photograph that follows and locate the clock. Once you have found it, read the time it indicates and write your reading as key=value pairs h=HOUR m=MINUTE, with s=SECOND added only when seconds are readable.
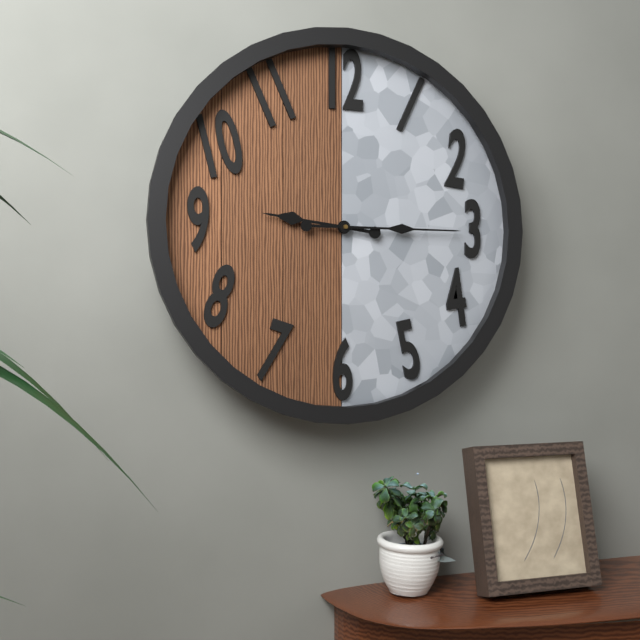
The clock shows h=9 m=15
